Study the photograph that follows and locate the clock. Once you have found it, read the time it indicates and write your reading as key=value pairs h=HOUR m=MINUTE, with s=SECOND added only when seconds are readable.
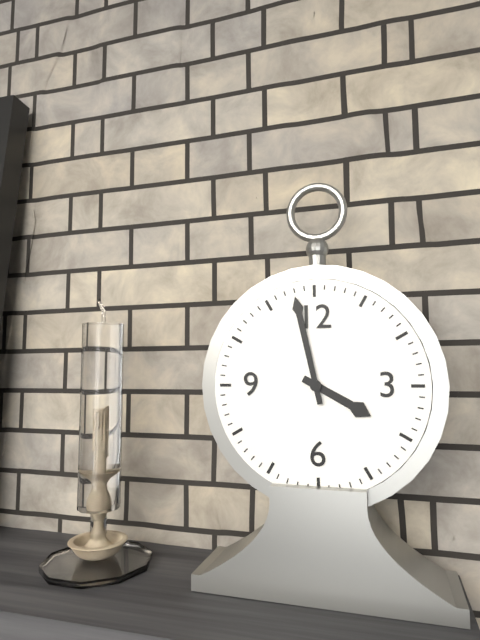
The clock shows h=3 m=58
